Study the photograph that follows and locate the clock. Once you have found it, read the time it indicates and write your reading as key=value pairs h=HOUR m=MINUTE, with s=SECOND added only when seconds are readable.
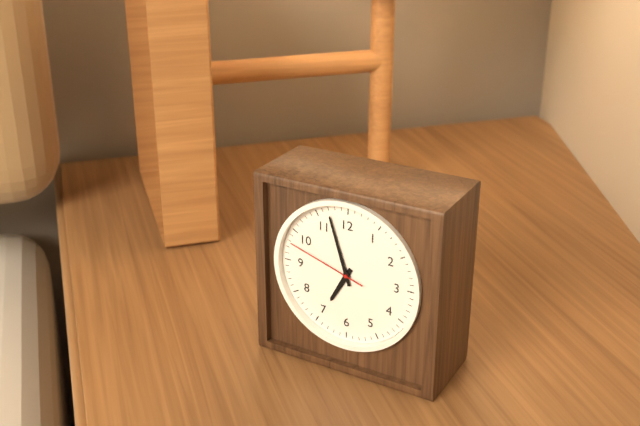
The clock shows h=6 m=57 s=48
